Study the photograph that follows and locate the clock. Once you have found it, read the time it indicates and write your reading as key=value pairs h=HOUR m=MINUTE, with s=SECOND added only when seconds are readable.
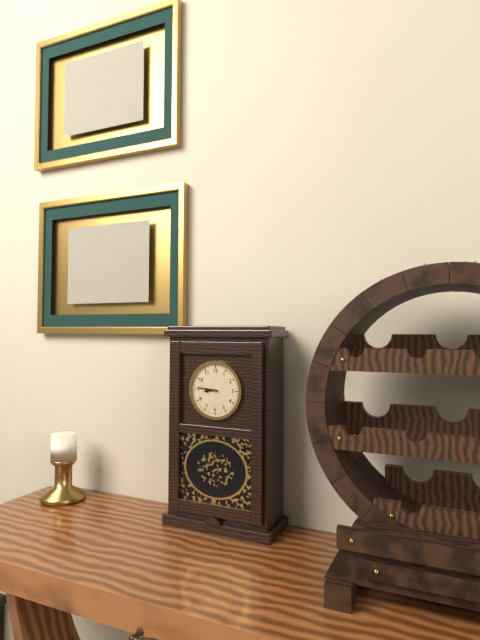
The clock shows h=8 m=46
